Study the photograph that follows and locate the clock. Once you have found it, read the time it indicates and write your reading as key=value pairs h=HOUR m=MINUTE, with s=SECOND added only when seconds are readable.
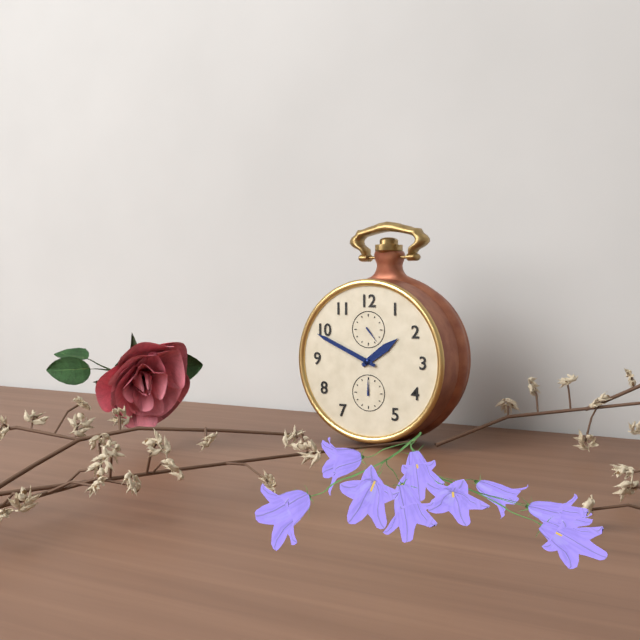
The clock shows h=1 m=49
